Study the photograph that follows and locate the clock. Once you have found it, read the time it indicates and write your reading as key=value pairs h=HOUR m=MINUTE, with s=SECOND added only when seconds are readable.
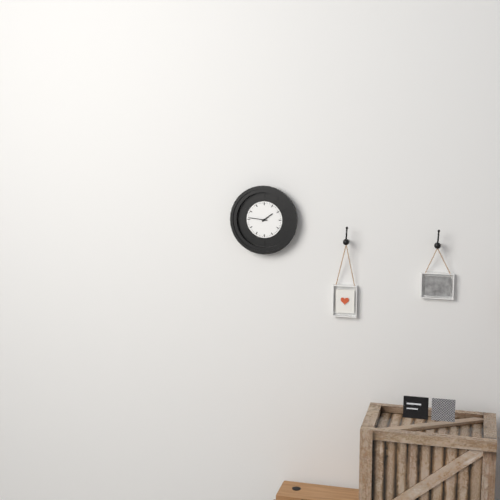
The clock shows h=1 m=46
